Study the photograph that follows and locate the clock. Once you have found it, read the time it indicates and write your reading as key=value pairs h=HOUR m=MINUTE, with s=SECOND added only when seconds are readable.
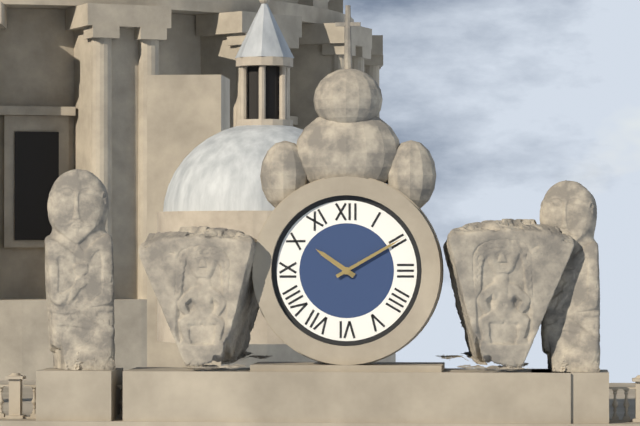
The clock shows h=10 m=10
